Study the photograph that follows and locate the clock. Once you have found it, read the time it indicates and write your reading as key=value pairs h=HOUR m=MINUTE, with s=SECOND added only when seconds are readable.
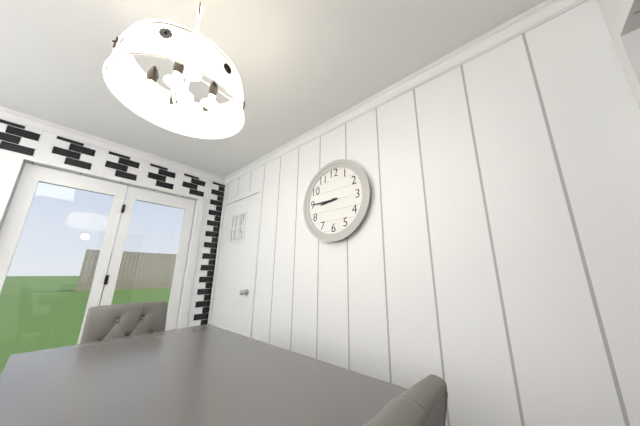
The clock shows h=8 m=45
